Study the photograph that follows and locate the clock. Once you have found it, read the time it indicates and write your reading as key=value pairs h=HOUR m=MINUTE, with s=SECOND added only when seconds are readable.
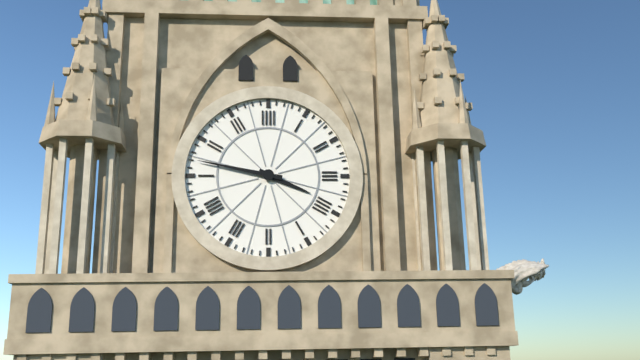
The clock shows h=3 m=47
